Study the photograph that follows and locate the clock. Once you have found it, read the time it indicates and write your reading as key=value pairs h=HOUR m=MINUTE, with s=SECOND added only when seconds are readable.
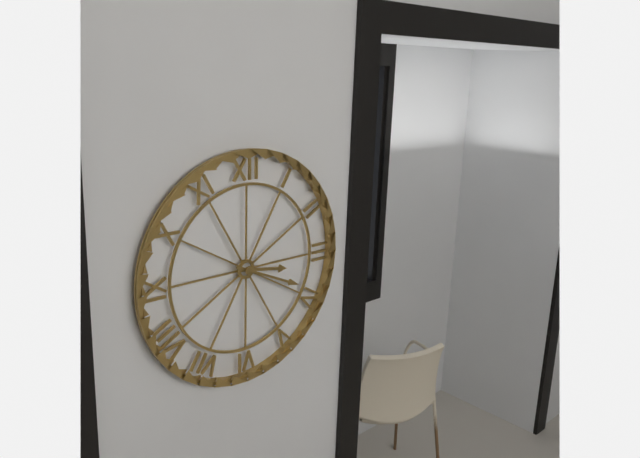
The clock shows h=3 m=19
